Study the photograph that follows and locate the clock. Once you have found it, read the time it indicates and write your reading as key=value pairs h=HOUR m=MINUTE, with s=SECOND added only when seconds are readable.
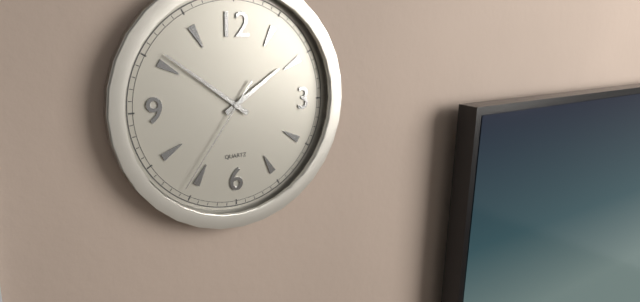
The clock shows h=1 m=51 s=36
